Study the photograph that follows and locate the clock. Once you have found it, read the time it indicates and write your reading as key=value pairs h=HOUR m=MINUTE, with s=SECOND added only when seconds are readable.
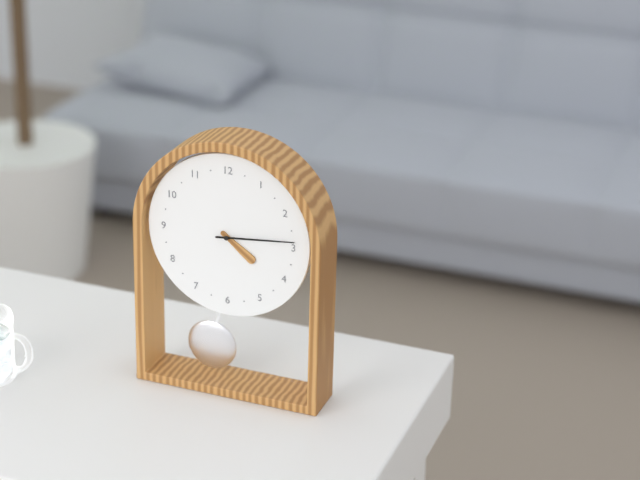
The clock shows h=4 m=14
